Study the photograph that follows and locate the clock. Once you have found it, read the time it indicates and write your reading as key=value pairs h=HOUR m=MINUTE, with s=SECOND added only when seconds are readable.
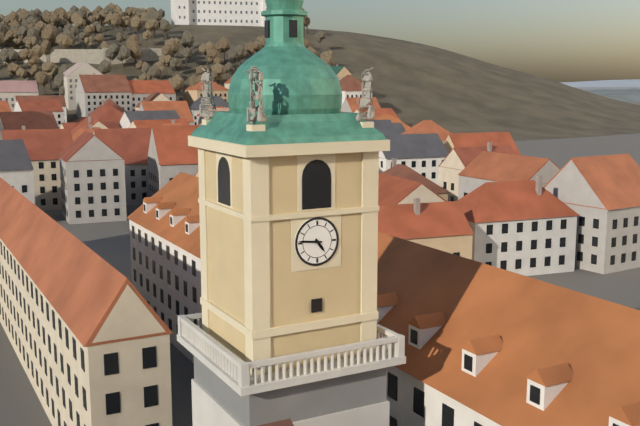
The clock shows h=4 m=46
